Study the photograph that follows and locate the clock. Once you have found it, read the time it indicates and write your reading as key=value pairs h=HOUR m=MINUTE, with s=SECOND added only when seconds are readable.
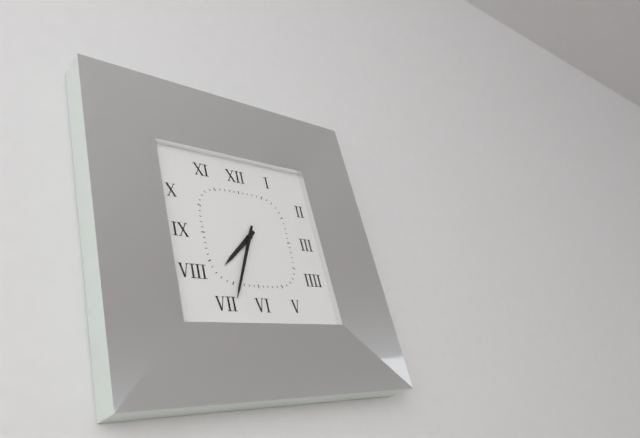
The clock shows h=7 m=34
